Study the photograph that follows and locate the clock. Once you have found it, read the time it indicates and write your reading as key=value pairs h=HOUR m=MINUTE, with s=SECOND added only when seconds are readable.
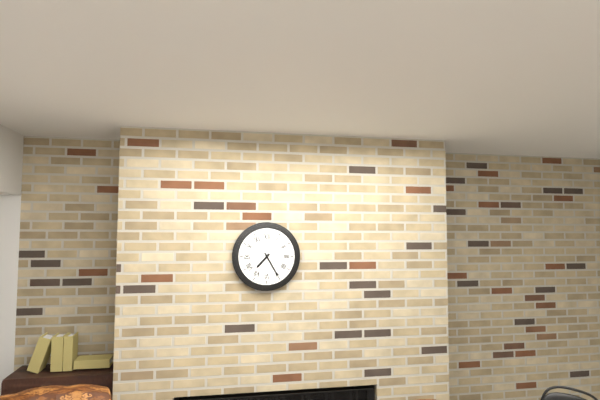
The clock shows h=7 m=25
